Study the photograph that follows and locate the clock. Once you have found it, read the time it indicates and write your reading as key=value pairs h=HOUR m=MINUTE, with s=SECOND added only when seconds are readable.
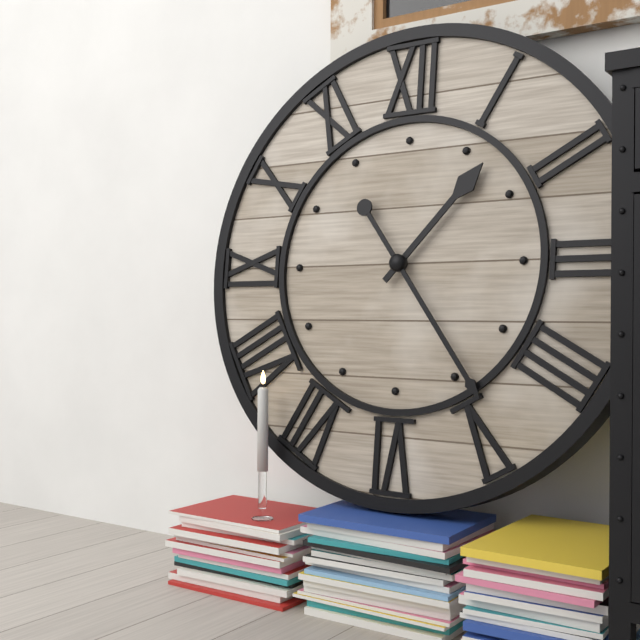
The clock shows h=1 m=24
